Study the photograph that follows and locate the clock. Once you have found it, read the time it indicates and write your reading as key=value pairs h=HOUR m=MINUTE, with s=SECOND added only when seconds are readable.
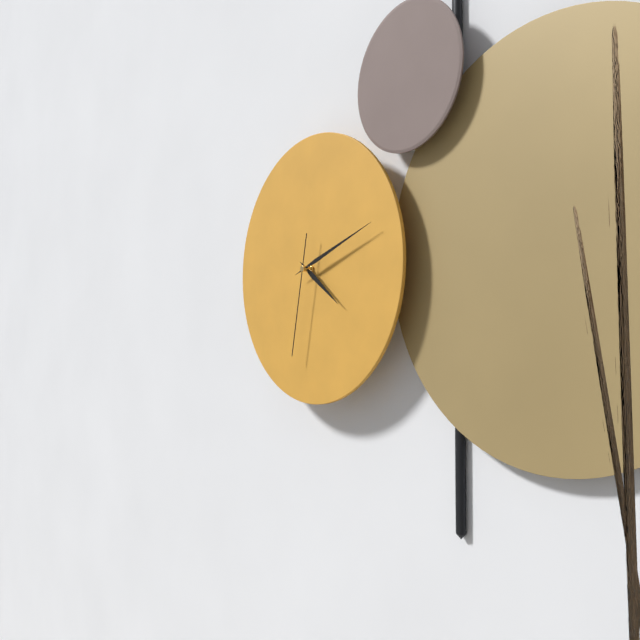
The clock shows h=4 m=12 s=32
